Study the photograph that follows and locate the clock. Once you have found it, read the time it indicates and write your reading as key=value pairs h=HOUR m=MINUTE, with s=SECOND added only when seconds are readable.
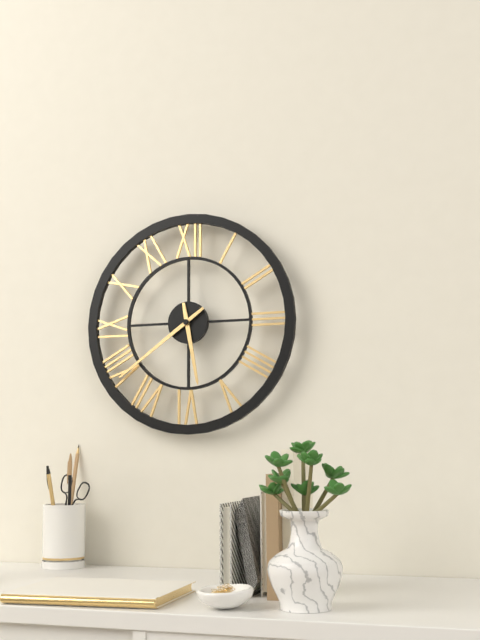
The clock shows h=5 m=39
